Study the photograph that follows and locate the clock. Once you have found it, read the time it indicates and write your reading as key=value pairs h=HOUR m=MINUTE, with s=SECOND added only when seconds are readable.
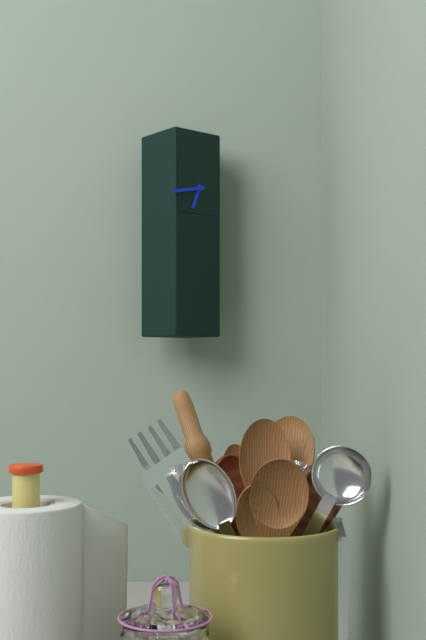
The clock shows h=6 m=43
